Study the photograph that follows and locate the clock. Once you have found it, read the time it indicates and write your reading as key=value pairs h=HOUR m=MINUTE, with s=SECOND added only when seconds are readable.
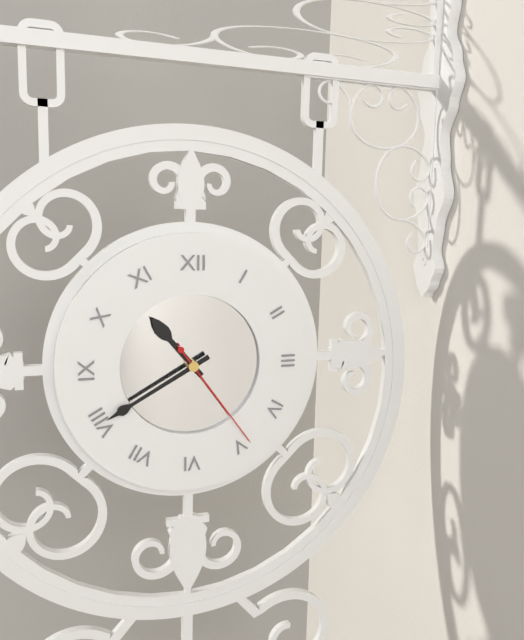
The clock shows h=10 m=40 s=24
